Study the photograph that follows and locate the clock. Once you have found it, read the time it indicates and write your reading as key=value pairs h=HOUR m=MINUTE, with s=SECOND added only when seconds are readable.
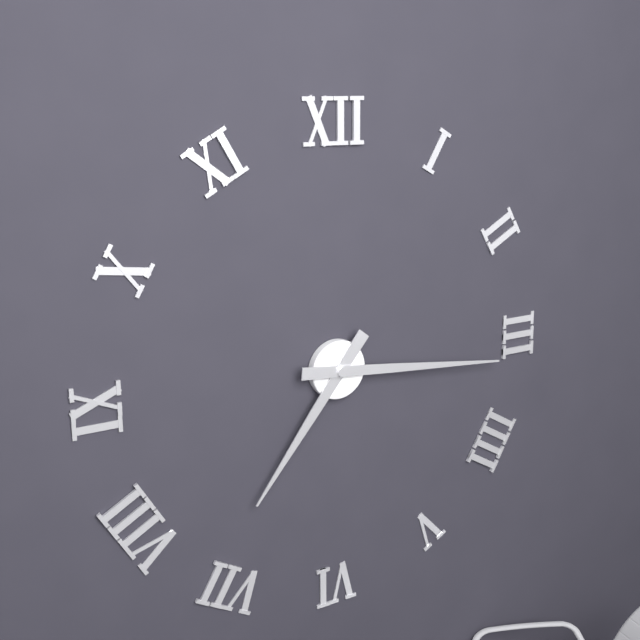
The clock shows h=7 m=16
